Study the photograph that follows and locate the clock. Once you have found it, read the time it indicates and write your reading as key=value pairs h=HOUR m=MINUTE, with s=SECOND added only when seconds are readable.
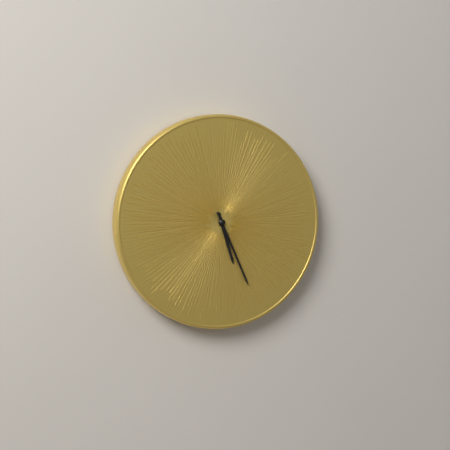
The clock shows h=5 m=26
